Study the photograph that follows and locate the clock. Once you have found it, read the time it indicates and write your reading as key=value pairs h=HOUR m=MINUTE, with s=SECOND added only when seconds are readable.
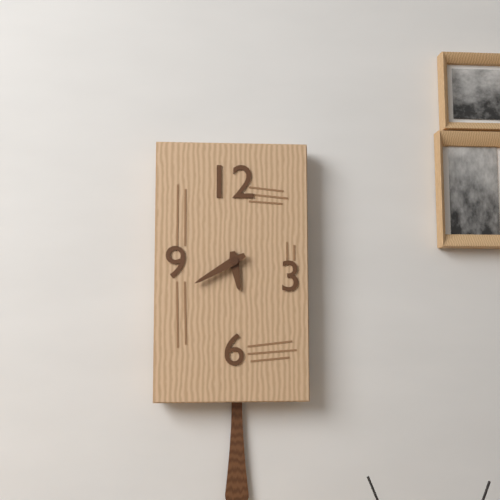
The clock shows h=5 m=40
